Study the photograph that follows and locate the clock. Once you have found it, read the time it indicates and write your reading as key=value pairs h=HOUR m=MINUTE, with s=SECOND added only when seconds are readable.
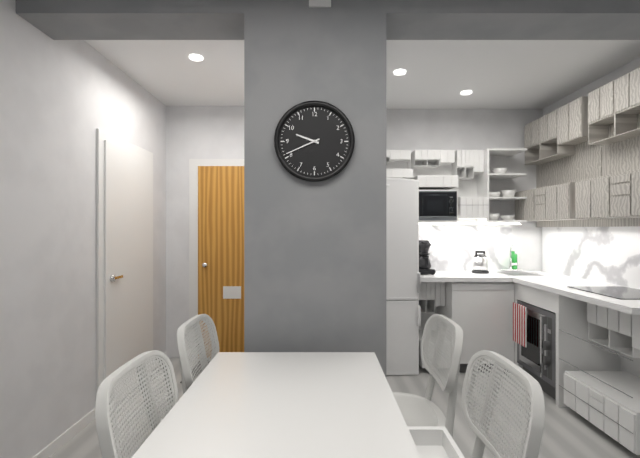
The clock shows h=9 m=41
